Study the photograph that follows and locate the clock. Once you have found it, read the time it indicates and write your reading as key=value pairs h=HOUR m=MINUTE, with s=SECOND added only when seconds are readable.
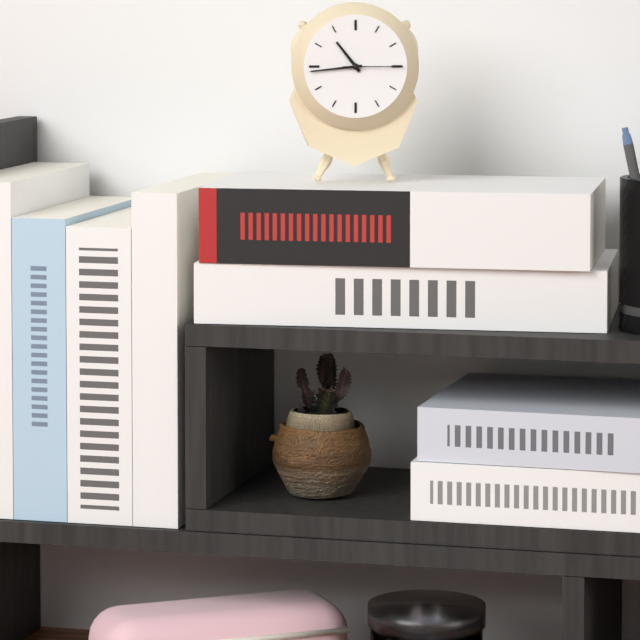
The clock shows h=10 m=44 s=15
